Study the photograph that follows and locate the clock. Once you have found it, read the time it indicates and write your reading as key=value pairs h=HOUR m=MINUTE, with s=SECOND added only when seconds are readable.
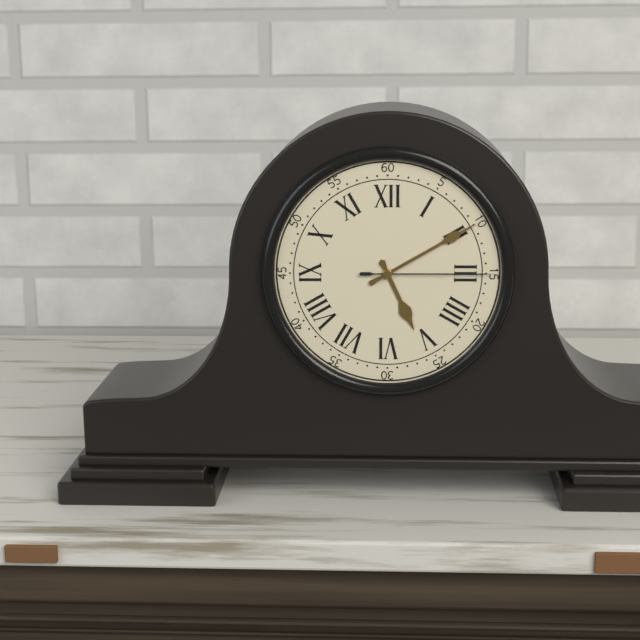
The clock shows h=5 m=10 s=15
